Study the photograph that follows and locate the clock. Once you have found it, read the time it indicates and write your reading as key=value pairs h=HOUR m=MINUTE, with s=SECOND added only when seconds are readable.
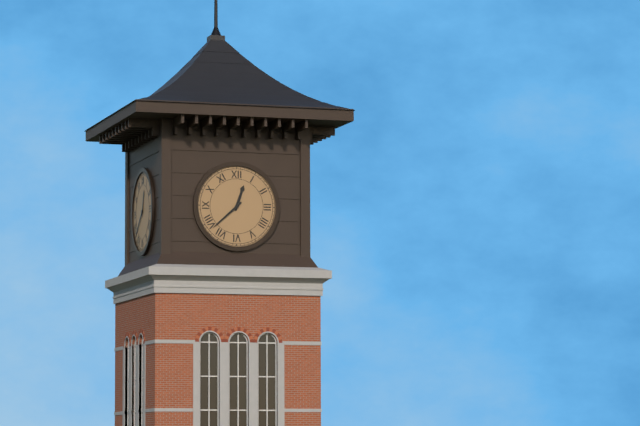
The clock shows h=12 m=38
